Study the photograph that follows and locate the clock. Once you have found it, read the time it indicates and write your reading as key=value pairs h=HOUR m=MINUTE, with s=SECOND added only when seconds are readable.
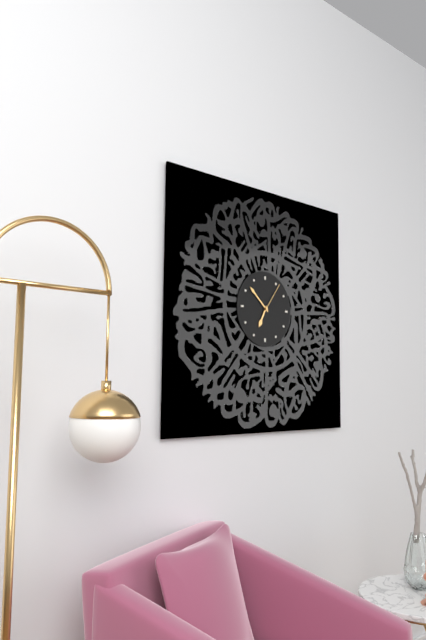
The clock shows h=6 m=52
